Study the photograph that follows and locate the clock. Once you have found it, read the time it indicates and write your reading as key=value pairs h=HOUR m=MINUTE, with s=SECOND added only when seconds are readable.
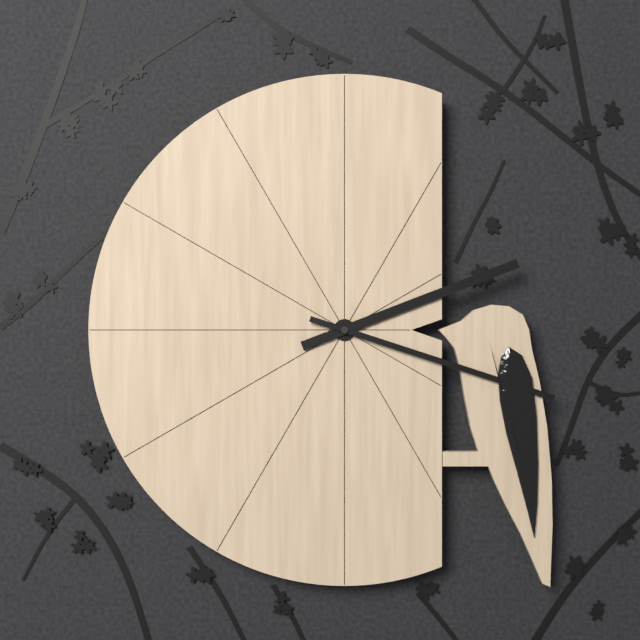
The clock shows h=2 m=18
